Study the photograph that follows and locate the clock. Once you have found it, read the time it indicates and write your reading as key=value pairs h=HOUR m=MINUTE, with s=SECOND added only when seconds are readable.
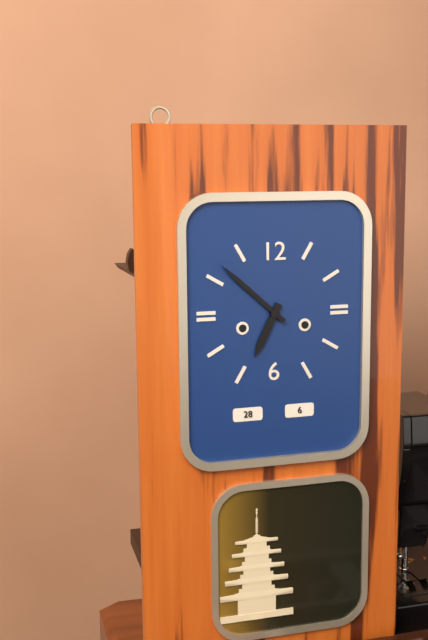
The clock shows h=6 m=52
